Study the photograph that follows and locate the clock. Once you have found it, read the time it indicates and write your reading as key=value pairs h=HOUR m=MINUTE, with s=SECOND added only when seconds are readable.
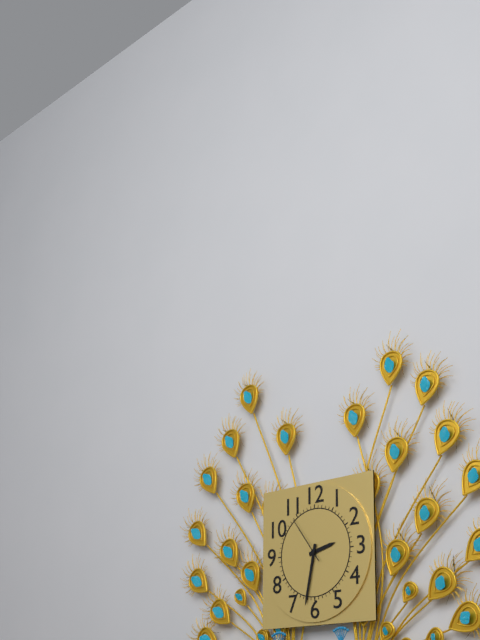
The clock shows h=2 m=32
